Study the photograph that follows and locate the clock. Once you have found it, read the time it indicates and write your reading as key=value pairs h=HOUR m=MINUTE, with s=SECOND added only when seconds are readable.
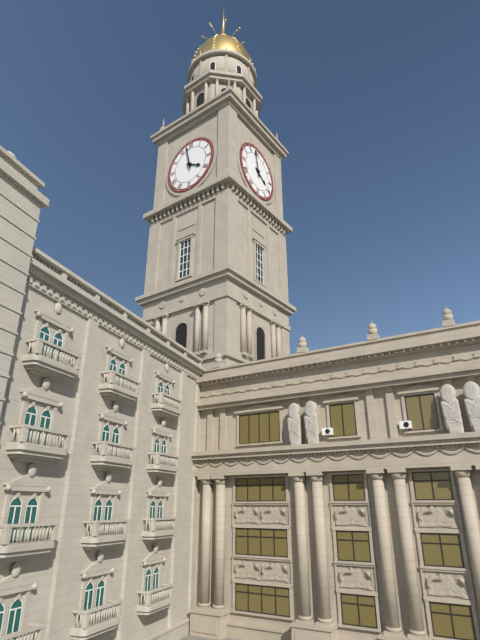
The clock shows h=3 m=58
